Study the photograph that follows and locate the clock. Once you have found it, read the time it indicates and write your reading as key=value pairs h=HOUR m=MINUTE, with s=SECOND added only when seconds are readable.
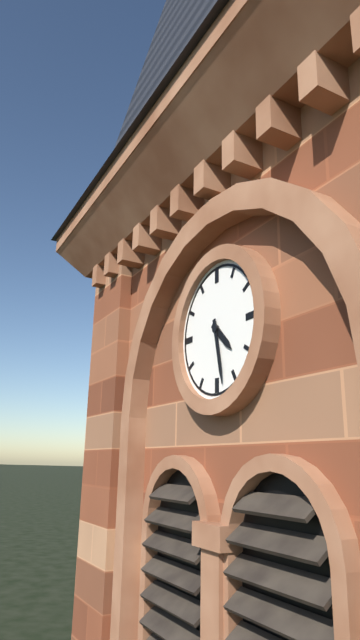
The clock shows h=4 m=28
